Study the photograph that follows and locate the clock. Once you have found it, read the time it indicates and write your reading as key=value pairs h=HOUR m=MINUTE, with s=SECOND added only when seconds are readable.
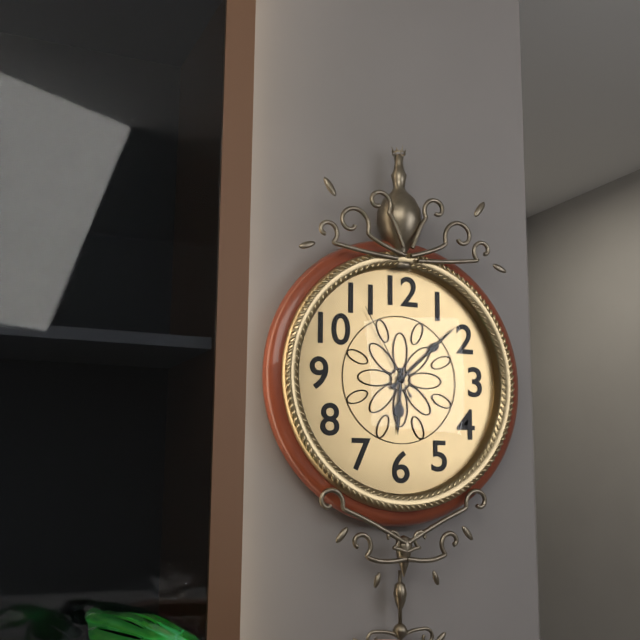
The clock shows h=6 m=8 s=55
